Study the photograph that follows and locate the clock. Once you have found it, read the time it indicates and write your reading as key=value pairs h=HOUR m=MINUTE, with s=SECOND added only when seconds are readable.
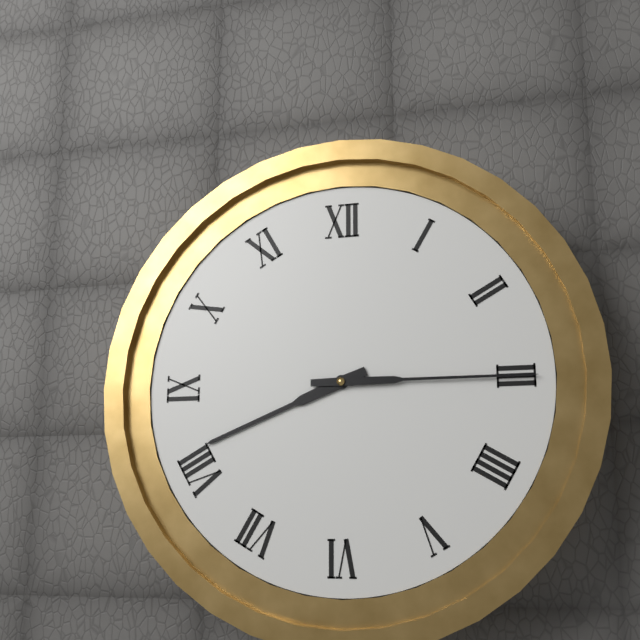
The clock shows h=8 m=15
